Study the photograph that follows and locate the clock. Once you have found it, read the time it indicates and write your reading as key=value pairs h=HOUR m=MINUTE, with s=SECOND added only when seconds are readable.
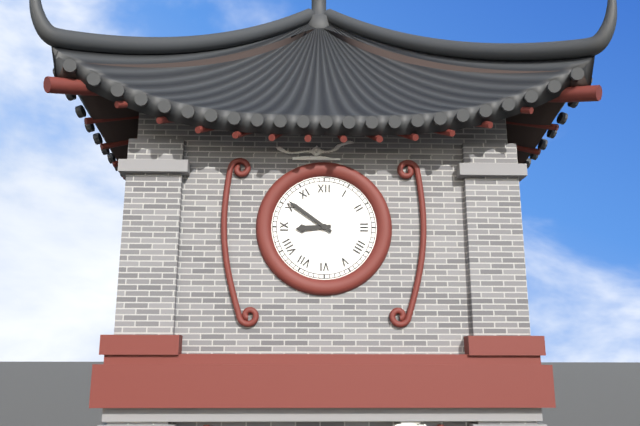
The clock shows h=8 m=51
